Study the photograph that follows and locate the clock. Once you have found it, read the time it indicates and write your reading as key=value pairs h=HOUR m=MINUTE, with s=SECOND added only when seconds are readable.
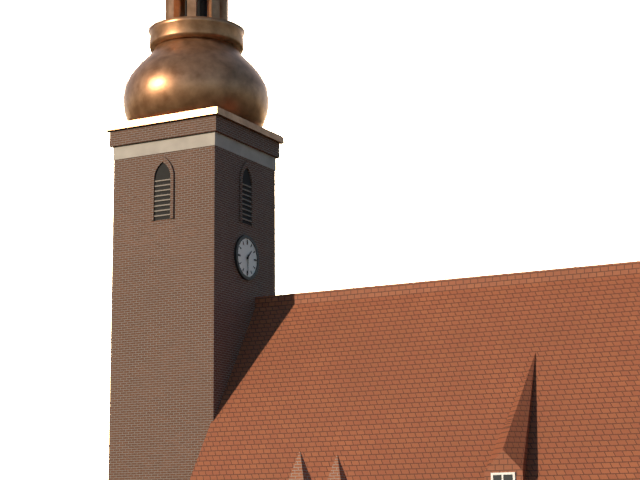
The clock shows h=1 m=30
